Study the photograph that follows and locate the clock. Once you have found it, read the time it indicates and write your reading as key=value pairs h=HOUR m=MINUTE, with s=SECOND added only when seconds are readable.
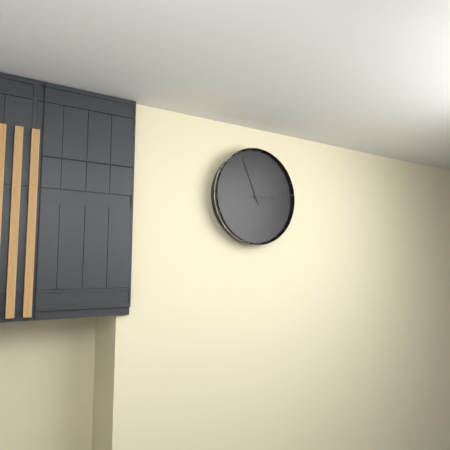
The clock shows h=2 m=56
